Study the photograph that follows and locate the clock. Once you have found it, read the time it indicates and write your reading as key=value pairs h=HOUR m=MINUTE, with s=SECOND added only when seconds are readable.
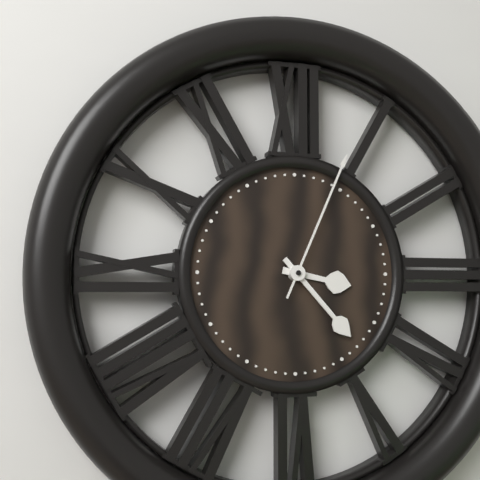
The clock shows h=3 m=23 s=4
